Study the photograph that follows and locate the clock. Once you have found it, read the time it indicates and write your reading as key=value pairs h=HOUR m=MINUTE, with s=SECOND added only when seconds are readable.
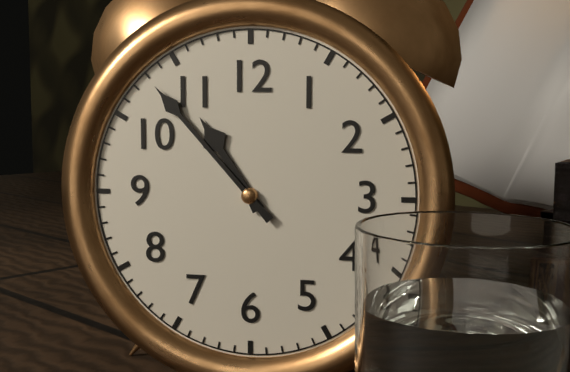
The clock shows h=10 m=53
